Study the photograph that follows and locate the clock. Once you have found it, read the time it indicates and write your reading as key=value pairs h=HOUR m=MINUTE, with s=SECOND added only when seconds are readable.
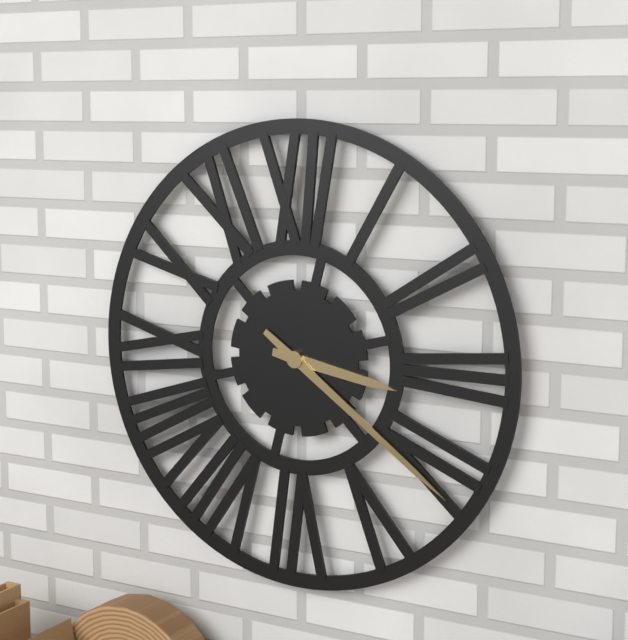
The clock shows h=3 m=21
